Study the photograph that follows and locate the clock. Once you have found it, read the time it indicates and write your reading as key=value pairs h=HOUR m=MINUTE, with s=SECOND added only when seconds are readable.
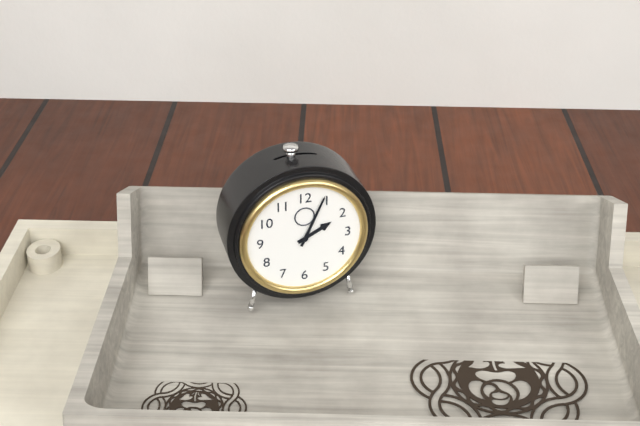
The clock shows h=2 m=4
